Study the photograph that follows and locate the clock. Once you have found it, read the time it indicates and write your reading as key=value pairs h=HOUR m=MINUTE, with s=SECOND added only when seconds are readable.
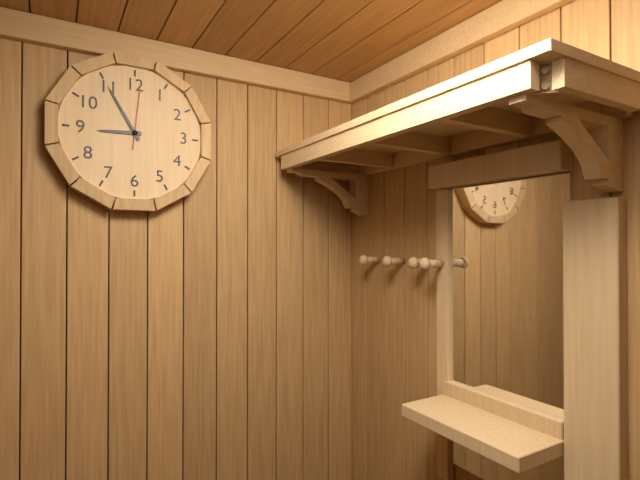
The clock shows h=8 m=55 s=1
